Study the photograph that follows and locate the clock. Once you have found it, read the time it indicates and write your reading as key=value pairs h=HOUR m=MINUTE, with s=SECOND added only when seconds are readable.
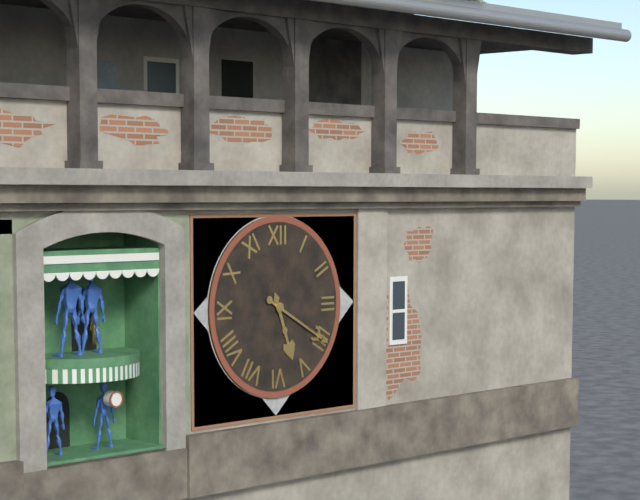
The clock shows h=5 m=20
